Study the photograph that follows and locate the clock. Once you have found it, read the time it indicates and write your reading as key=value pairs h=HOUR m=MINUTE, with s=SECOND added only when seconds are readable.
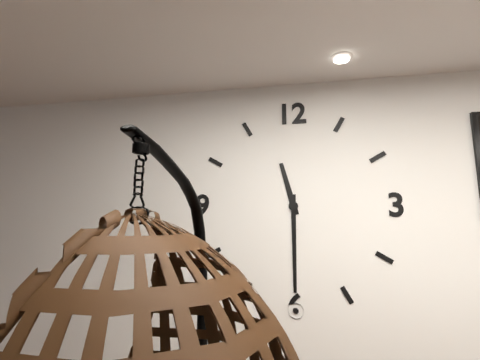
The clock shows h=11 m=30
